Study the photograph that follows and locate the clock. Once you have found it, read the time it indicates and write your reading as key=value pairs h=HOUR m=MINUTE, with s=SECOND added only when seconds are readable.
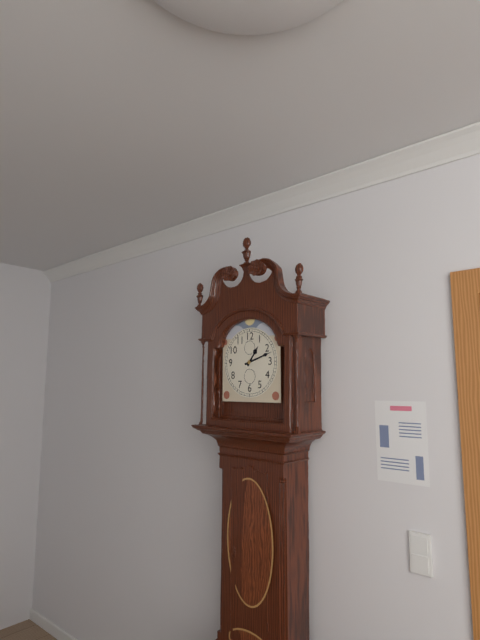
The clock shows h=1 m=12
